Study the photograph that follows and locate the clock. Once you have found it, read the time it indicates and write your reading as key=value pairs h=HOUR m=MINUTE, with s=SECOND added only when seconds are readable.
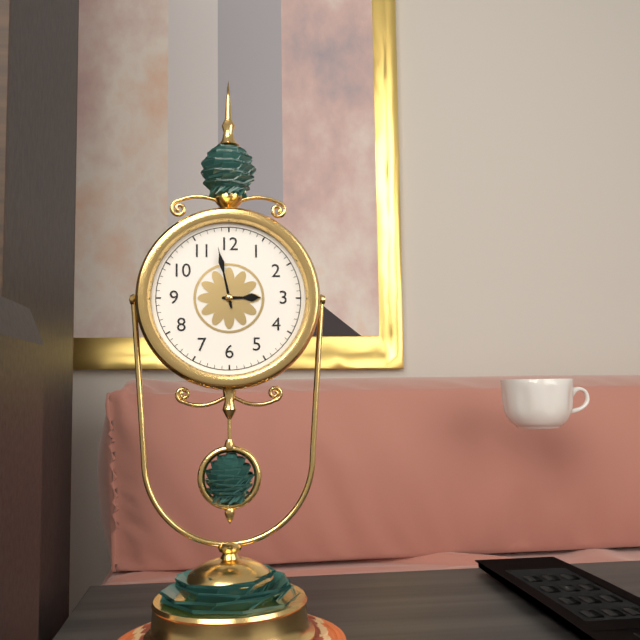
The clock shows h=2 m=58
